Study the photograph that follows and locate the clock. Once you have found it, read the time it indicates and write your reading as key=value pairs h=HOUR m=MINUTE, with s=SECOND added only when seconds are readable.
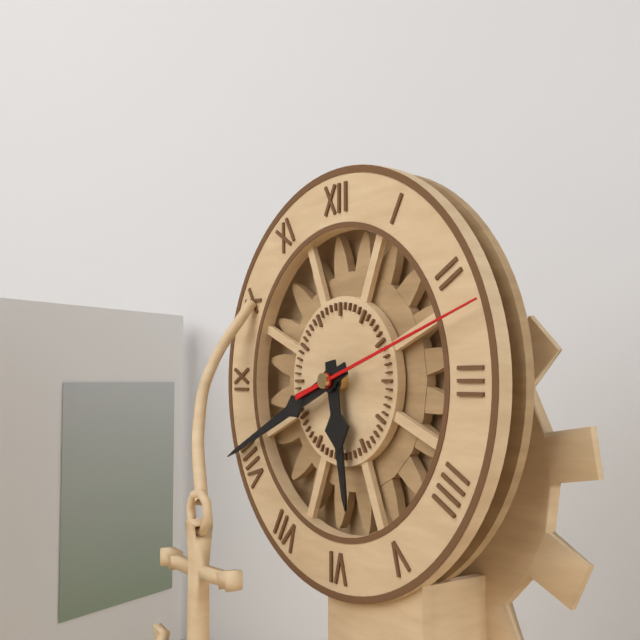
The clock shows h=5 m=41 s=12
